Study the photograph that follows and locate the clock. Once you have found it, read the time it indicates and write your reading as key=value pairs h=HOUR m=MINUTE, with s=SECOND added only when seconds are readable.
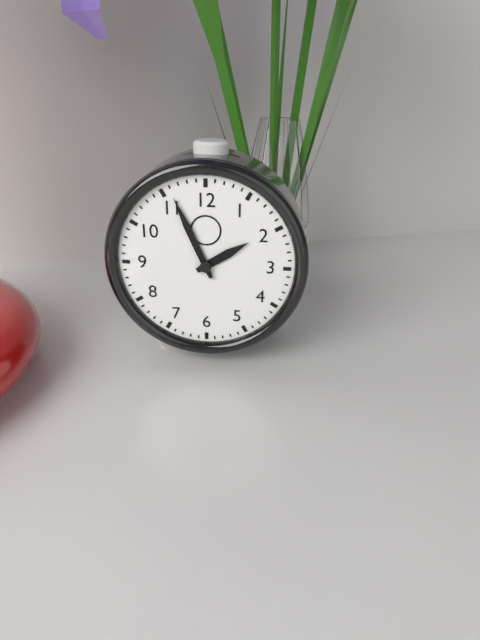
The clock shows h=1 m=56
